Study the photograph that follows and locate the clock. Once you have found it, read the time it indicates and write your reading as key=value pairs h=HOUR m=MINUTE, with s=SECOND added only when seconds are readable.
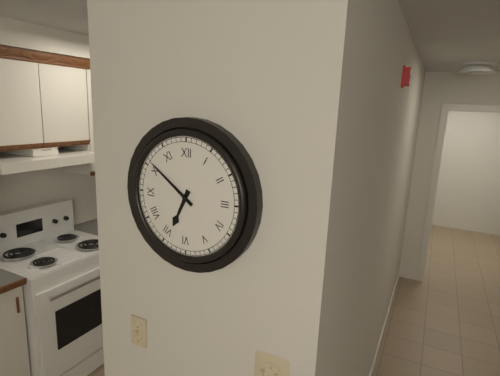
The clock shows h=6 m=51
